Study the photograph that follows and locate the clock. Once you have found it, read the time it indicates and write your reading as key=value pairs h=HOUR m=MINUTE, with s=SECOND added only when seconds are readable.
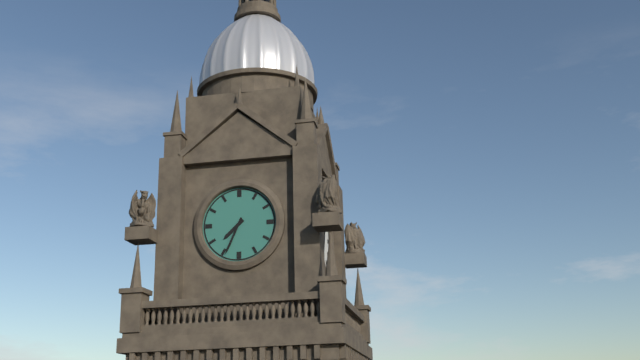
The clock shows h=7 m=34
